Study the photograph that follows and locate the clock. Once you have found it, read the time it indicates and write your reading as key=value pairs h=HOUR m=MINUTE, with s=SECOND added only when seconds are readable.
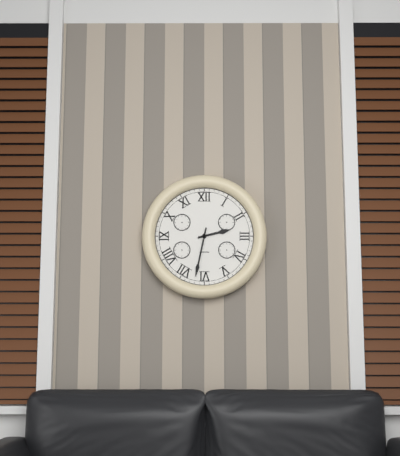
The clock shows h=2 m=32
